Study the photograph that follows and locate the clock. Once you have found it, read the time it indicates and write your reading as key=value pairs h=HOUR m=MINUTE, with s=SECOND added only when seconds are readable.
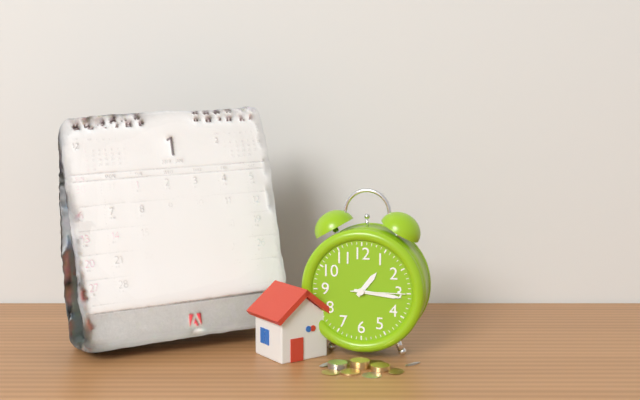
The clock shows h=1 m=16 s=15
